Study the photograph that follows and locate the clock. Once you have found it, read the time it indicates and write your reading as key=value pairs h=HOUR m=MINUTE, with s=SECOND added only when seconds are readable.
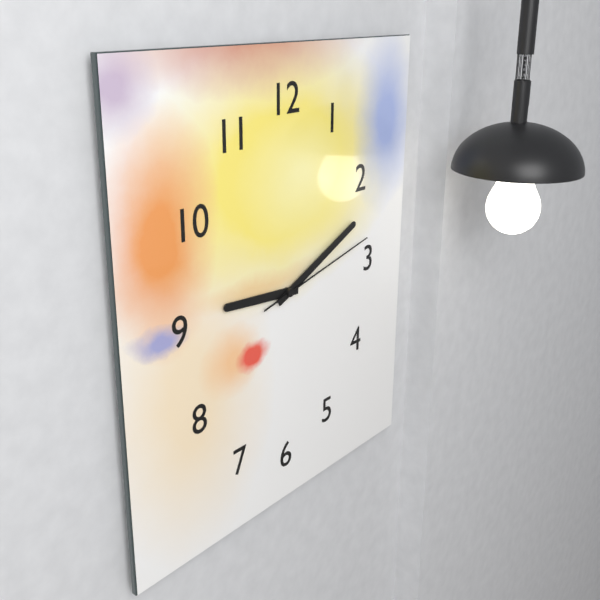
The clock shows h=9 m=11 s=13
